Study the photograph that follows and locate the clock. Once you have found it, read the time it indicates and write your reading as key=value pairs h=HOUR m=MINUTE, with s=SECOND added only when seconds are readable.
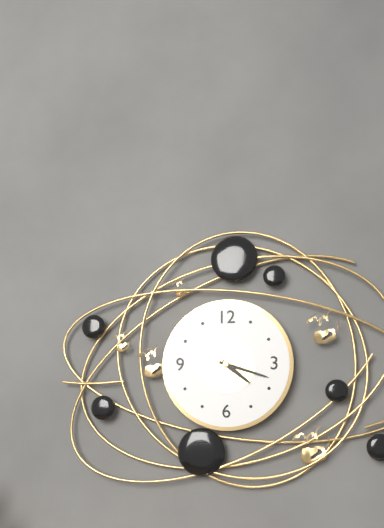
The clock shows h=4 m=18
